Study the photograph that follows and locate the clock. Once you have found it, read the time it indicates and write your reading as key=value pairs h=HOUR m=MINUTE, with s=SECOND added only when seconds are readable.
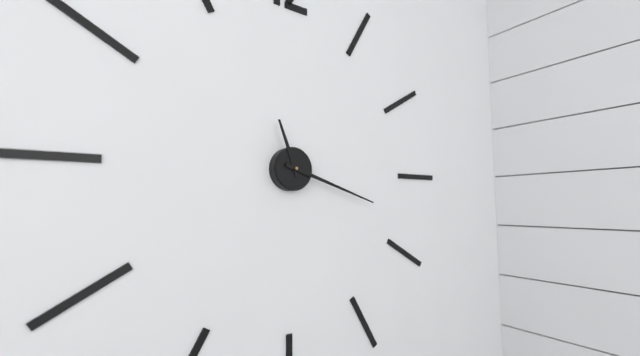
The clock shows h=11 m=18
